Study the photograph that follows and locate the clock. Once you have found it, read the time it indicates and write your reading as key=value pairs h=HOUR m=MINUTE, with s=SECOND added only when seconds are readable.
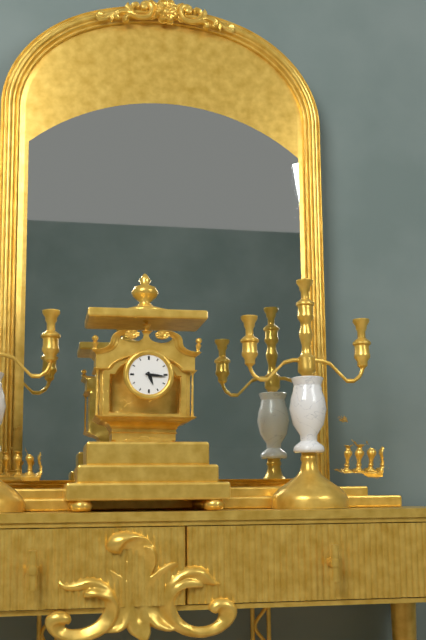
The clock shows h=5 m=16
